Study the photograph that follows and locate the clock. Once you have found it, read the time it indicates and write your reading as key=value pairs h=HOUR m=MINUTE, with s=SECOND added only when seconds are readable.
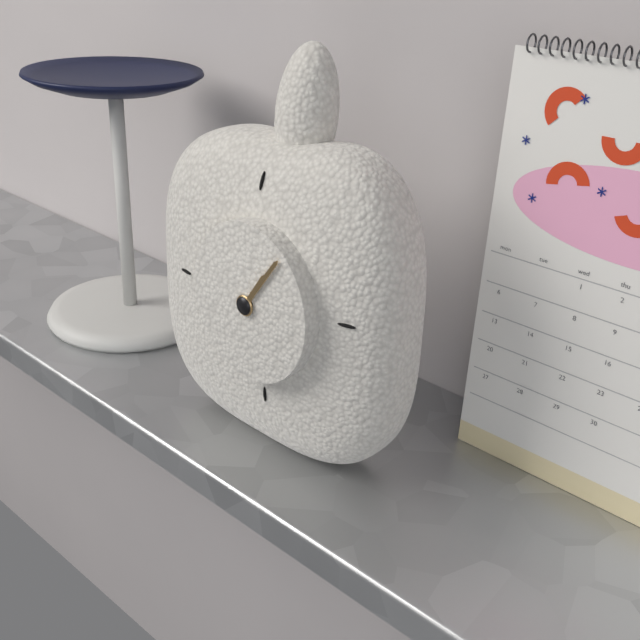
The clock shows h=1 m=6
